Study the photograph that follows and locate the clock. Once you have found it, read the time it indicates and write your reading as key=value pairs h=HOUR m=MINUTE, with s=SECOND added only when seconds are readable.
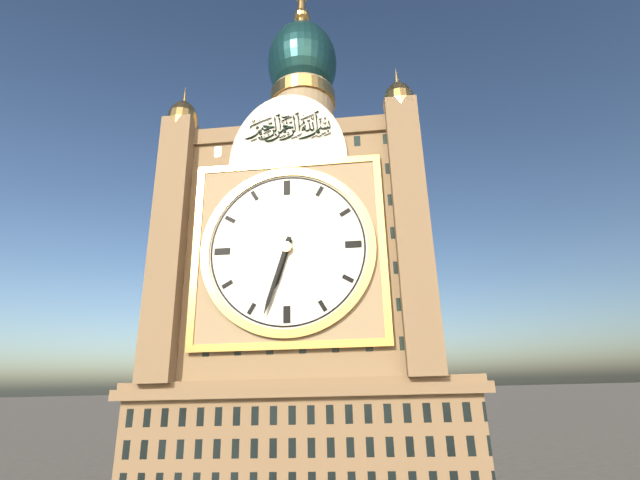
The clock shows h=6 m=33
